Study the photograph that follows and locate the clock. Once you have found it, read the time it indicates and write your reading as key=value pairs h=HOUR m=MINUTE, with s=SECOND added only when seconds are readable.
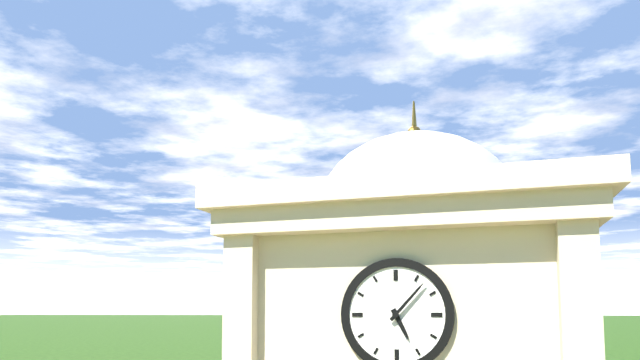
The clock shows h=5 m=7
